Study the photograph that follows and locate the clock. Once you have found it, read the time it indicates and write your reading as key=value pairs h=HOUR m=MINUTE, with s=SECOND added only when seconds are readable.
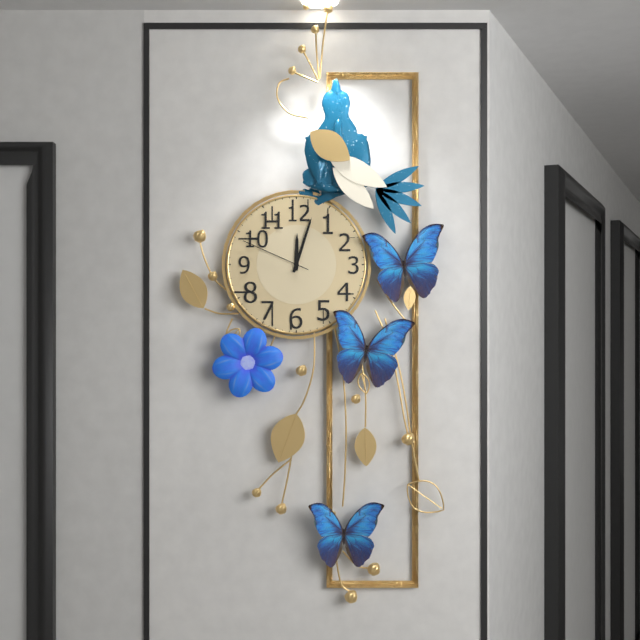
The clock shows h=12 m=3 s=49
